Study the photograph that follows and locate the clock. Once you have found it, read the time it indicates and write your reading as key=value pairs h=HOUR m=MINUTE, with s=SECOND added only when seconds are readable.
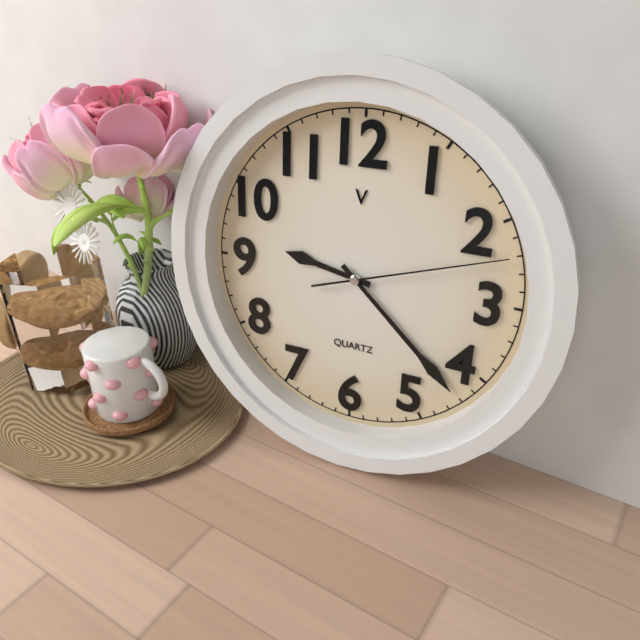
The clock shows h=9 m=22 s=12
